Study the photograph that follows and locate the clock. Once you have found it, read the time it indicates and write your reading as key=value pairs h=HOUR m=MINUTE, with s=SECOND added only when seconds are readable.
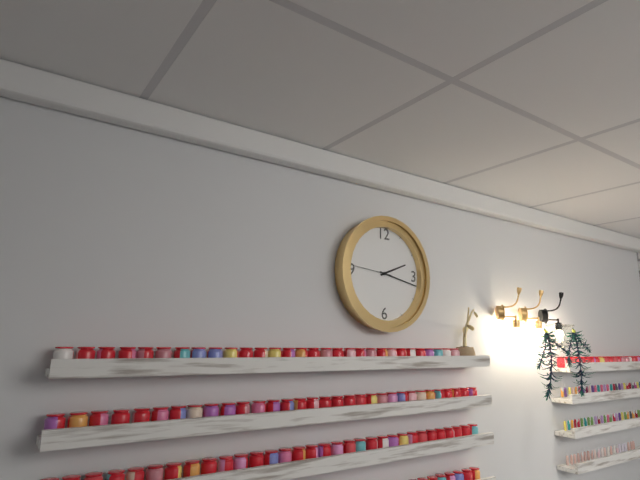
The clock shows h=2 m=17
